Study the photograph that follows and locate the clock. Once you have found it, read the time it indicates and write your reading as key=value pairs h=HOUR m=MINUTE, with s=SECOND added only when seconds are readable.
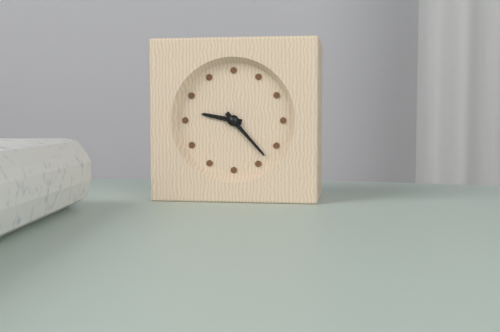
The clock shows h=9 m=23
